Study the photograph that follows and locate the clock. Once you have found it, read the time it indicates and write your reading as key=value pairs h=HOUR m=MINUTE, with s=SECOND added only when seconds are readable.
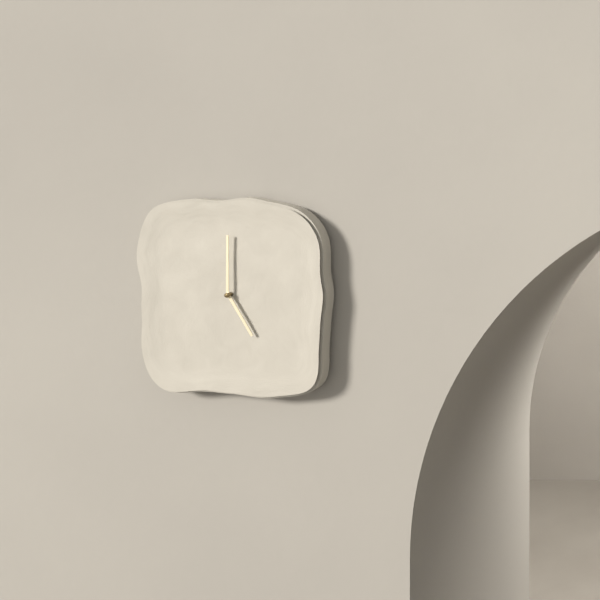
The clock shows h=5 m=0
